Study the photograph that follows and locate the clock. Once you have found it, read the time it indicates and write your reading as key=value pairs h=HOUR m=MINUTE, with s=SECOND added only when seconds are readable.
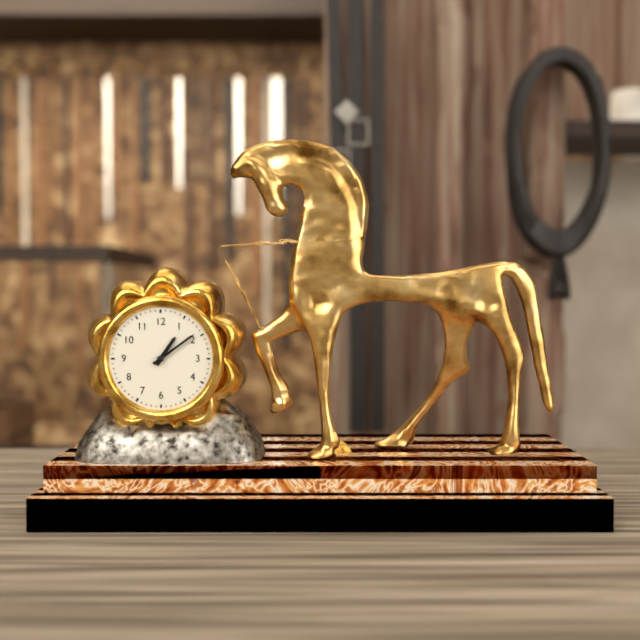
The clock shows h=1 m=9
